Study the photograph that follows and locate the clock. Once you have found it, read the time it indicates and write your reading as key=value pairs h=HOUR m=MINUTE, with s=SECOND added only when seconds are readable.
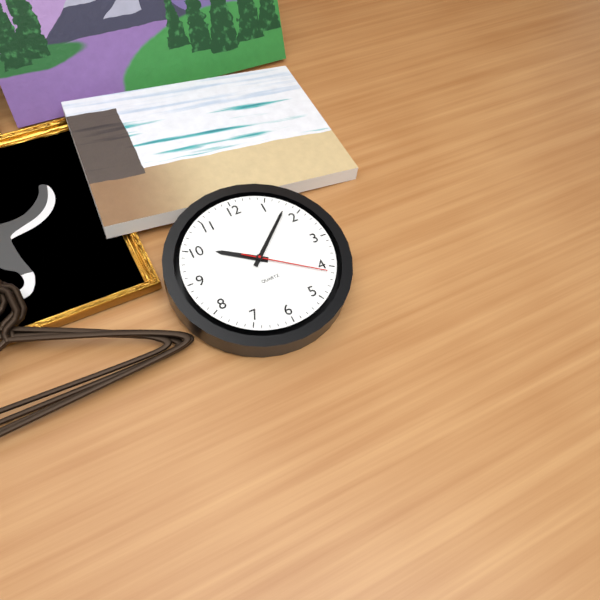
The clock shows h=10 m=8 s=21
